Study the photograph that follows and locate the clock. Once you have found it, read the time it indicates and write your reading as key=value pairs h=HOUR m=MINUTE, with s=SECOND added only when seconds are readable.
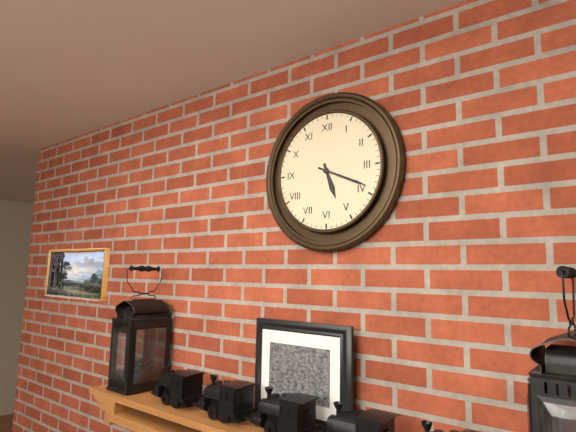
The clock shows h=5 m=19
